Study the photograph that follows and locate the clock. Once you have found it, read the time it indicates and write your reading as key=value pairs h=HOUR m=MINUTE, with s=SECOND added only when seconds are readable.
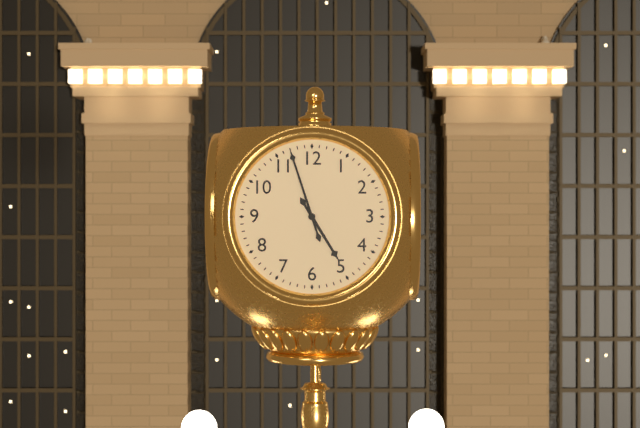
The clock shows h=4 m=57
